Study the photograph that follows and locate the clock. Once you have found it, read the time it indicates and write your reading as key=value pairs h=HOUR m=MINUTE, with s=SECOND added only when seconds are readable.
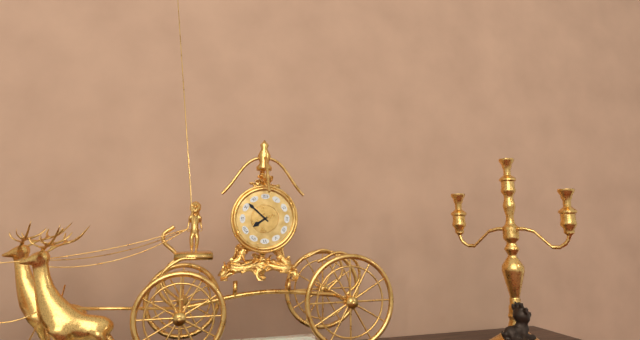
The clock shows h=7 m=52
